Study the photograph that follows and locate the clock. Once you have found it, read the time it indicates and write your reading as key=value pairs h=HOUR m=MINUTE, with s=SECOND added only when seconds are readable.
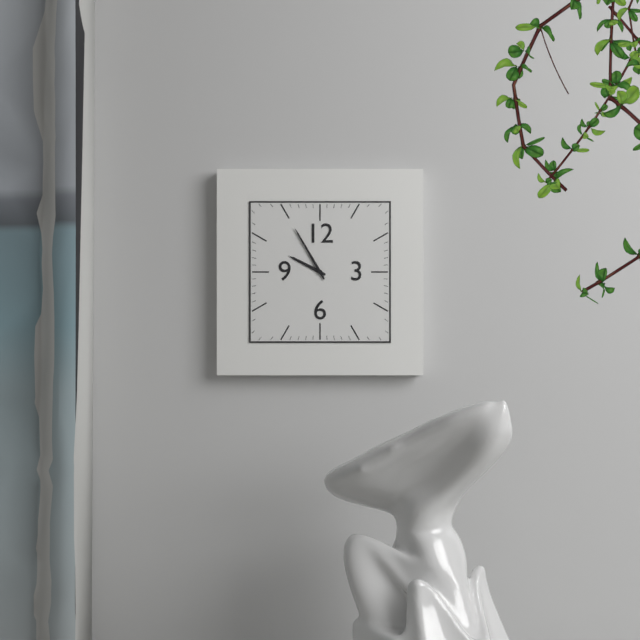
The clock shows h=9 m=55
